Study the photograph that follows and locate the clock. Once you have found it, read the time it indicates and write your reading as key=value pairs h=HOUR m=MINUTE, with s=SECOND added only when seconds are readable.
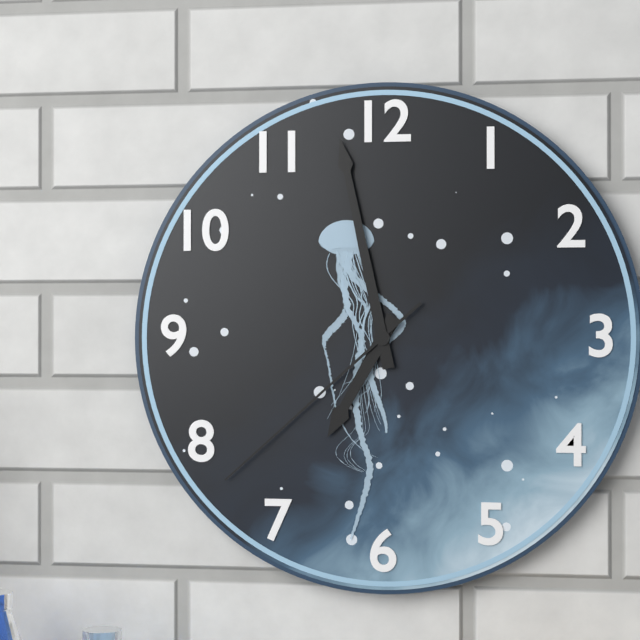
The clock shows h=6 m=58 s=38
